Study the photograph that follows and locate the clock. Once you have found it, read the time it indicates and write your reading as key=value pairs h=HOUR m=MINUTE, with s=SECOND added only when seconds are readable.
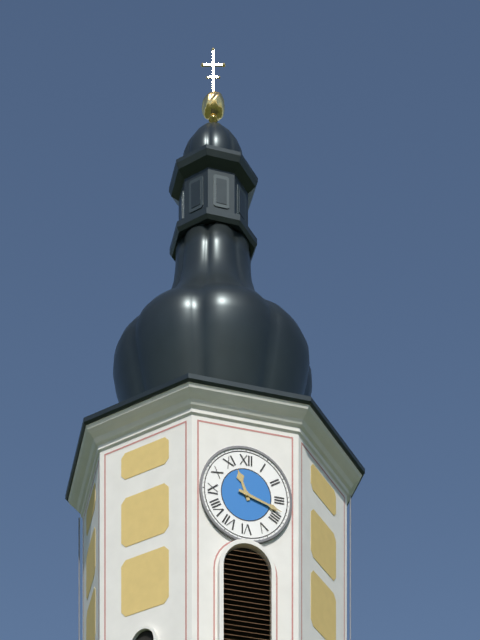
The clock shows h=11 m=18
